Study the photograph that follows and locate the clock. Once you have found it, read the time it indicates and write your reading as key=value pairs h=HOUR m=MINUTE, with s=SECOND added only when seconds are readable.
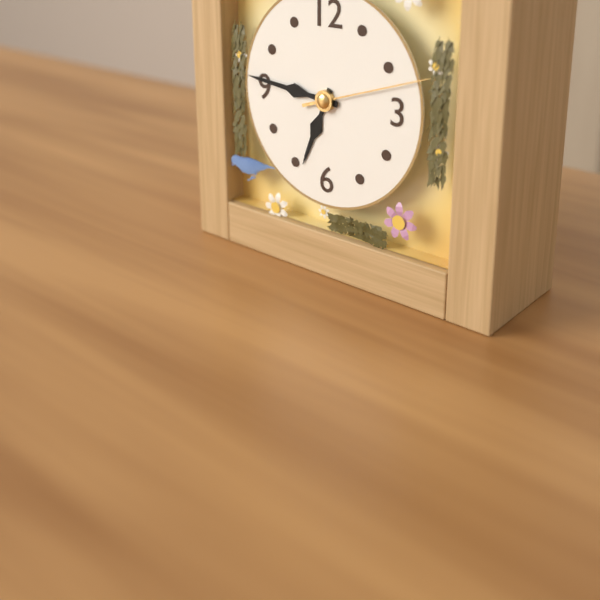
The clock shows h=6 m=46 s=12
